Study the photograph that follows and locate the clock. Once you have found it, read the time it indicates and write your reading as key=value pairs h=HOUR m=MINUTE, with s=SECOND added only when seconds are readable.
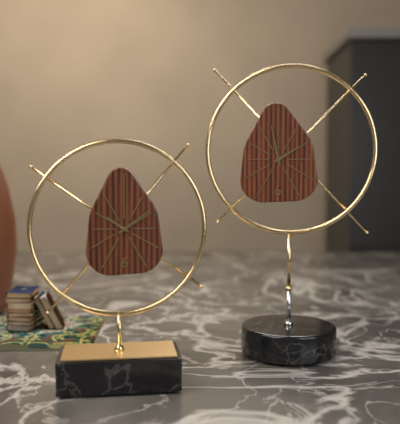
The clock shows h=1 m=58
